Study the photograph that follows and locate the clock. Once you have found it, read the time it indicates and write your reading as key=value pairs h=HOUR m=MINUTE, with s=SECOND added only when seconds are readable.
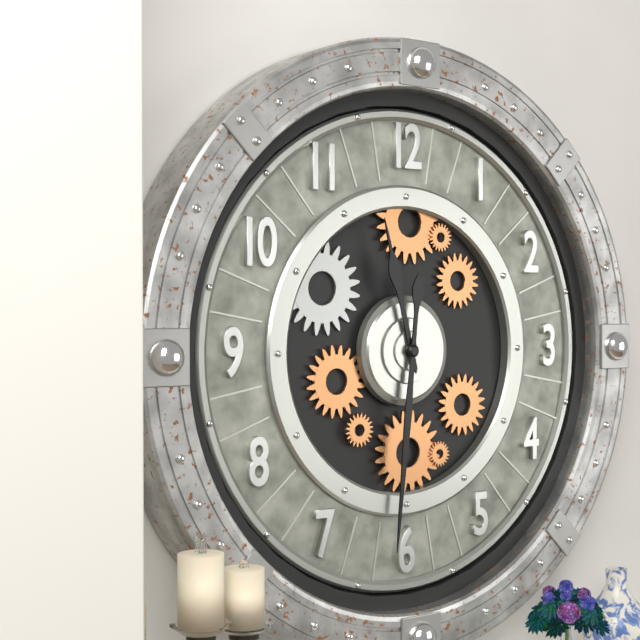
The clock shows h=11 m=31
